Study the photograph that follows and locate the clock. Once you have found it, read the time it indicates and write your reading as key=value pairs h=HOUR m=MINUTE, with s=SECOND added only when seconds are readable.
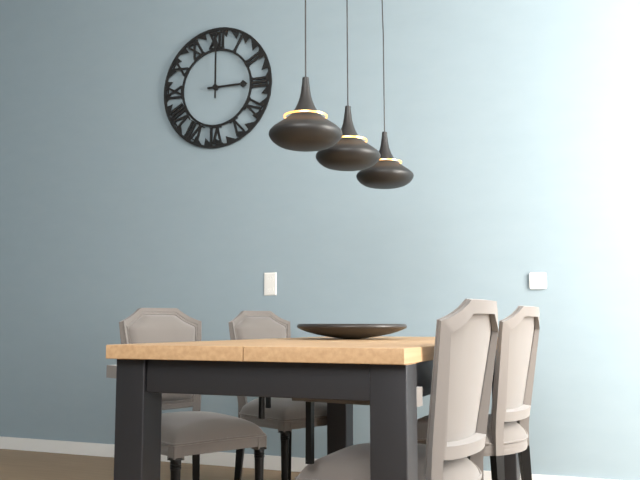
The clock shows h=3 m=0
